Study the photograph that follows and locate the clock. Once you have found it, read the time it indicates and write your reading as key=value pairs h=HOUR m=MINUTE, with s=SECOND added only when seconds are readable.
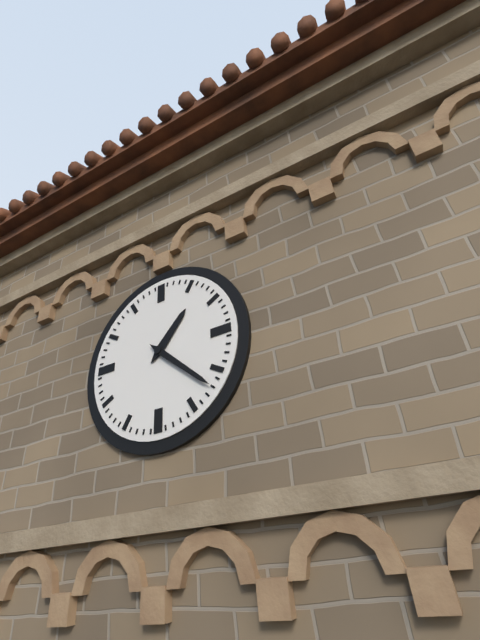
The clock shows h=1 m=22
